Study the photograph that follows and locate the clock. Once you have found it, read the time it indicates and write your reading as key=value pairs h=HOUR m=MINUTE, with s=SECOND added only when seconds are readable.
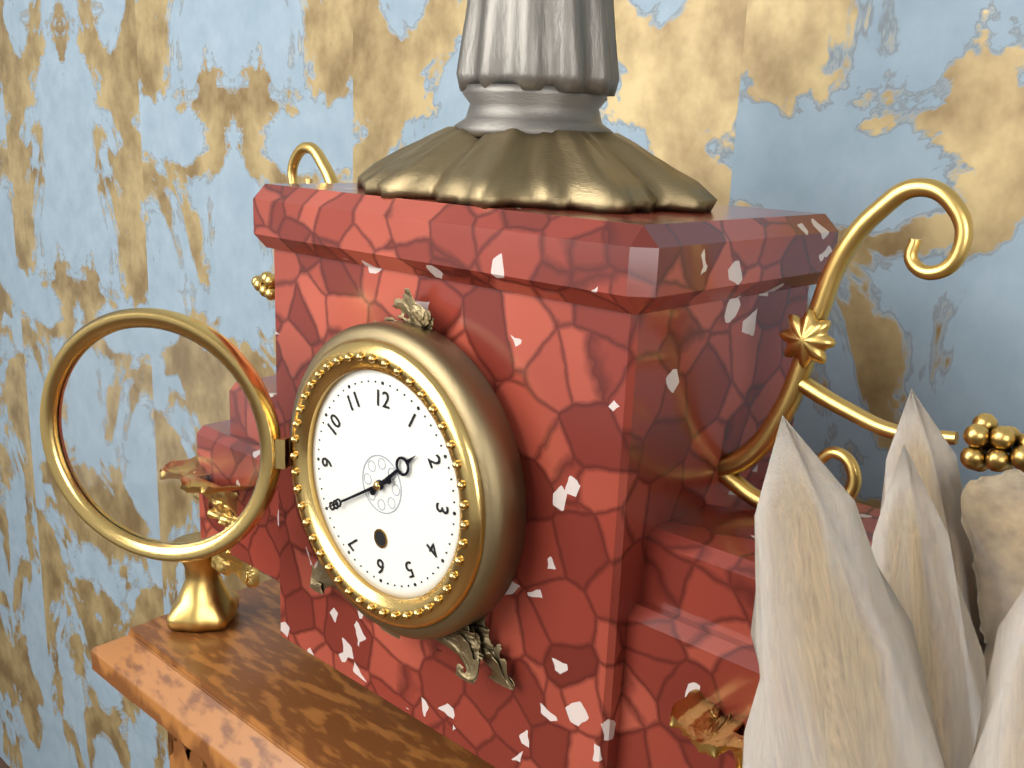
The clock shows h=1 m=40
